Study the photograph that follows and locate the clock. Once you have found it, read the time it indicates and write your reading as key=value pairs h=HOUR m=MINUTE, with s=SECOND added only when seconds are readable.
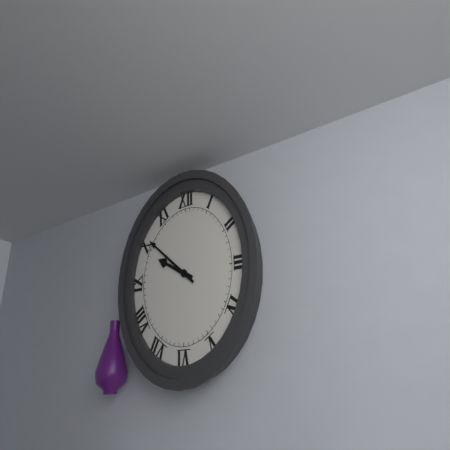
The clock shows h=9 m=51
